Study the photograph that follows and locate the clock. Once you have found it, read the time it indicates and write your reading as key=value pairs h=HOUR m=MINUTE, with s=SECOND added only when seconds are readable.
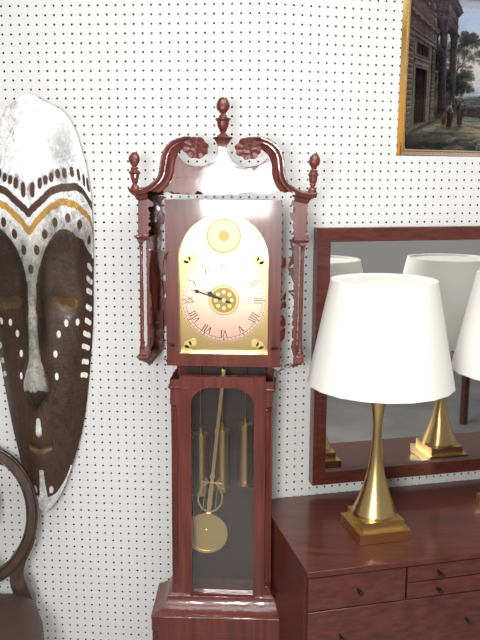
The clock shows h=9 m=48
